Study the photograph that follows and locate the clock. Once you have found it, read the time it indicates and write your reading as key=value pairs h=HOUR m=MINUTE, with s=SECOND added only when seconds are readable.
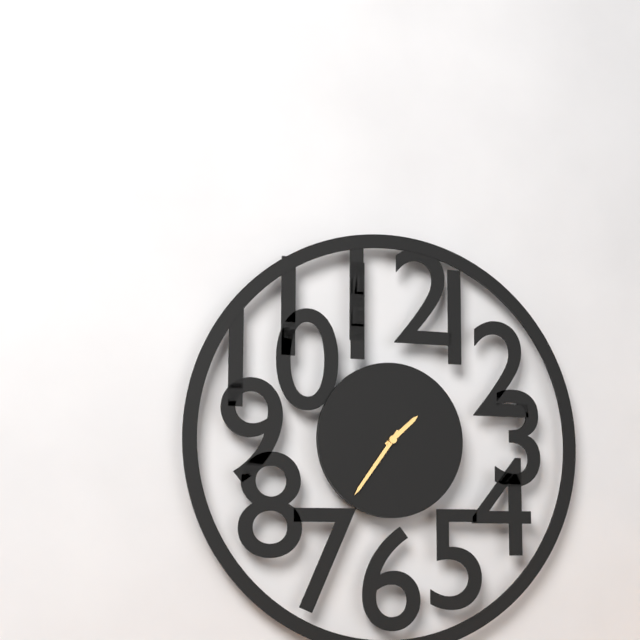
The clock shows h=1 m=36
